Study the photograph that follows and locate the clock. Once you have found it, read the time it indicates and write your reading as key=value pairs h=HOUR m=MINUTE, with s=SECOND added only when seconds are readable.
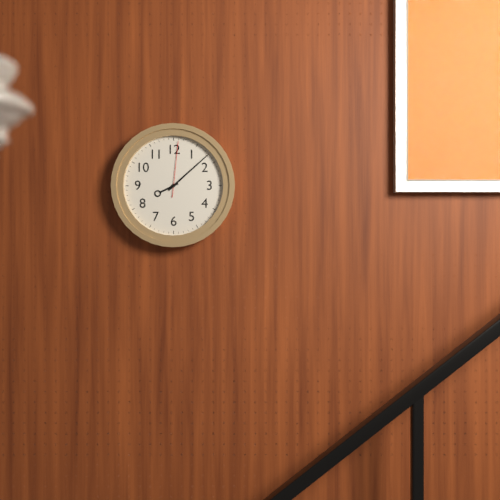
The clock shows h=8 m=8 s=1
